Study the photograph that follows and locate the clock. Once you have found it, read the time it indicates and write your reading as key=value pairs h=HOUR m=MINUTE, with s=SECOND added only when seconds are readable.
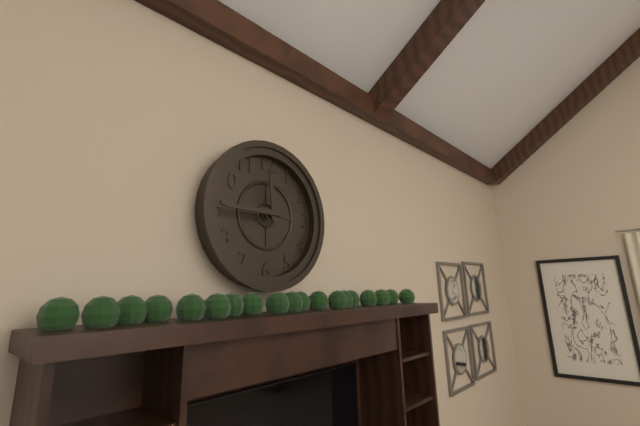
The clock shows h=11 m=45
